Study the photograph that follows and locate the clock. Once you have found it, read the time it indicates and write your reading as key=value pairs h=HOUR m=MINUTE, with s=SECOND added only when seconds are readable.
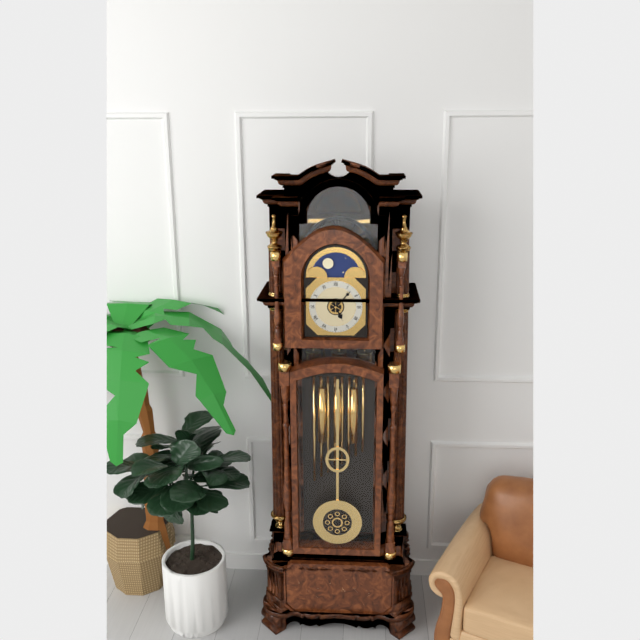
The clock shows h=5 m=7
